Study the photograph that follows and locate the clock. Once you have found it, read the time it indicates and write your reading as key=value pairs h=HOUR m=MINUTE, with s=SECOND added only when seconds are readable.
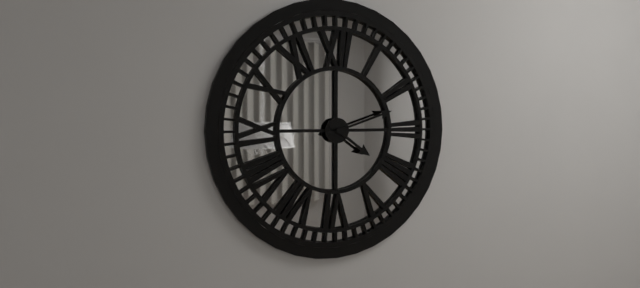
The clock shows h=4 m=12
